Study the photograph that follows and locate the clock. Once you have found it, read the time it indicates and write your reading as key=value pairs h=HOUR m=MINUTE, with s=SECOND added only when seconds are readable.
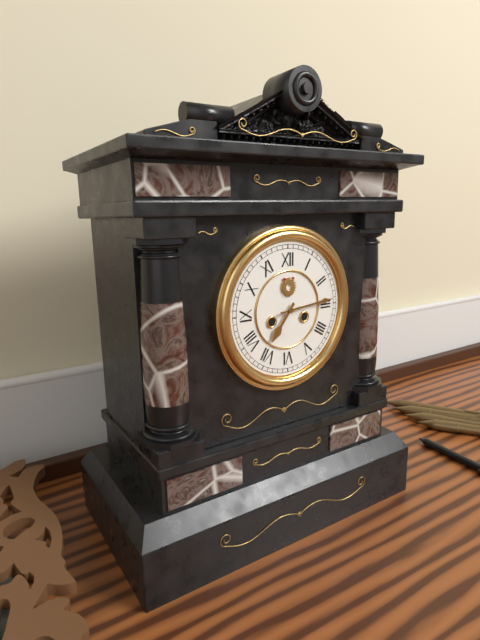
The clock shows h=7 m=14
